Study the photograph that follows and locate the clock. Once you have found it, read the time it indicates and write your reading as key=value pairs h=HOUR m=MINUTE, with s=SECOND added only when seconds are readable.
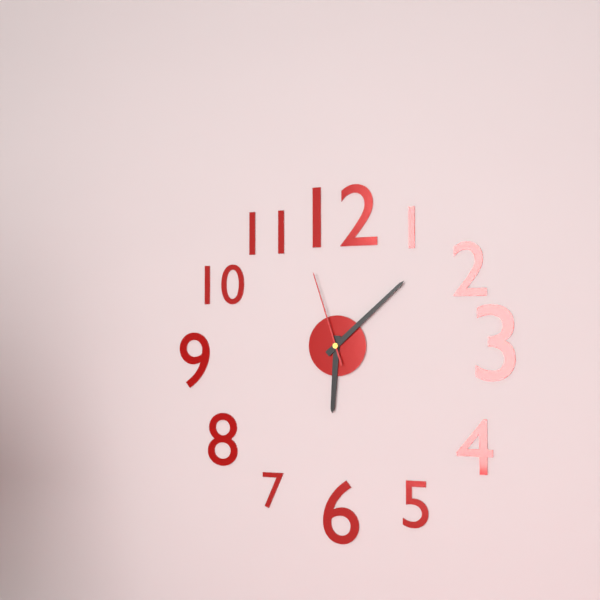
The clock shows h=6 m=8 s=57
